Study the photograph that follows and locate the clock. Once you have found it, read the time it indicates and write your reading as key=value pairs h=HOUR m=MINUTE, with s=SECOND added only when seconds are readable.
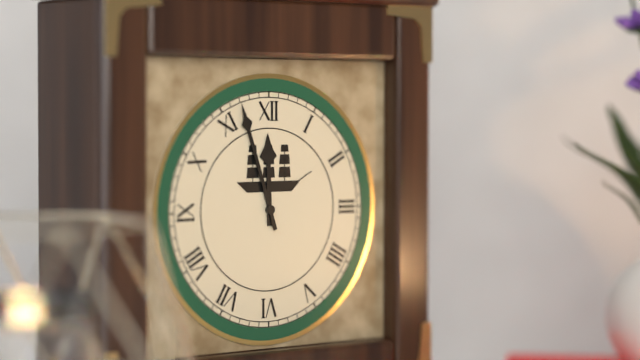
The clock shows h=11 m=57
